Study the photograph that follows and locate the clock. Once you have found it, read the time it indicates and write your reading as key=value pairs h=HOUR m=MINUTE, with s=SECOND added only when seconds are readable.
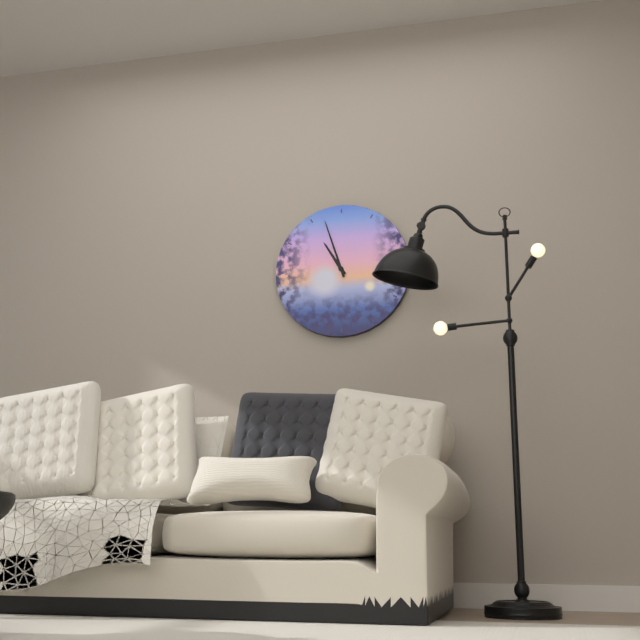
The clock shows h=10 m=57
